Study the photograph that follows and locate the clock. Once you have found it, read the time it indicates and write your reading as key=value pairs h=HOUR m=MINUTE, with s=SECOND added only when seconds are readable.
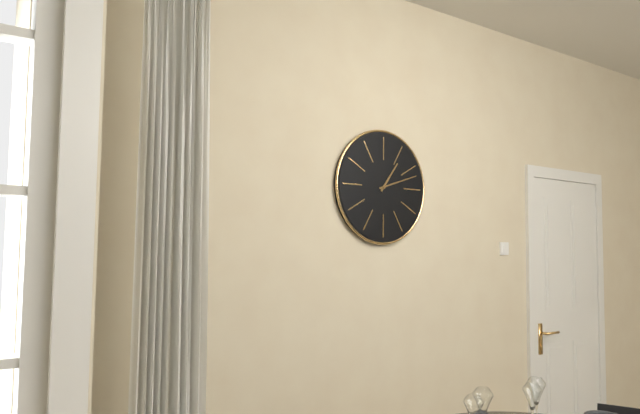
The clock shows h=1 m=12
